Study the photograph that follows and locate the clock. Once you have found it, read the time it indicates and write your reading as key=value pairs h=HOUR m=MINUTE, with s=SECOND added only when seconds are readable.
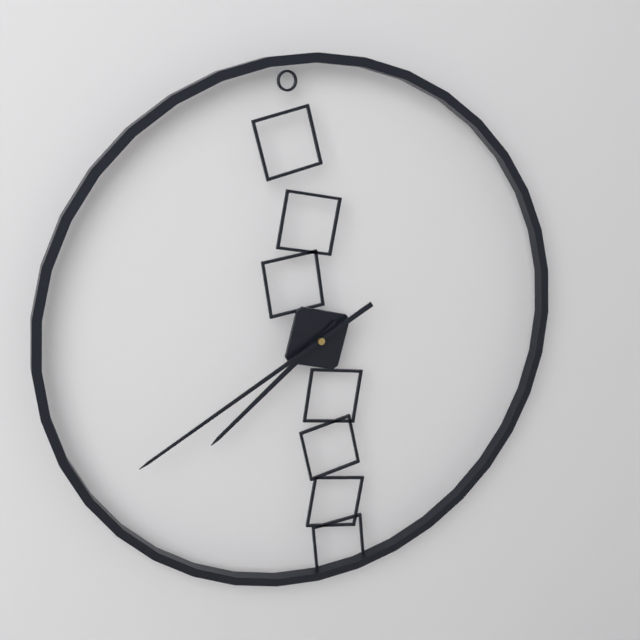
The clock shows h=7 m=40
